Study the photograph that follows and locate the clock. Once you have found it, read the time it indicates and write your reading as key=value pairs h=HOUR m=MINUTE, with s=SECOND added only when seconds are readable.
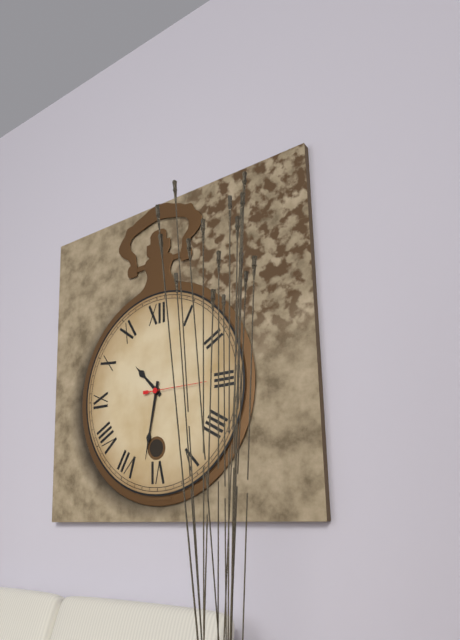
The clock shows h=10 m=32 s=15
